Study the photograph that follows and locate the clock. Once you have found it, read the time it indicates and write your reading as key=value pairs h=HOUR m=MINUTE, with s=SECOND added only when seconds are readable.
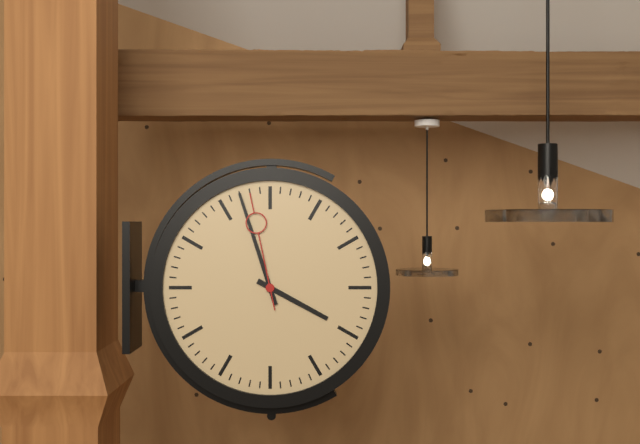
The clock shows h=3 m=57 s=58
